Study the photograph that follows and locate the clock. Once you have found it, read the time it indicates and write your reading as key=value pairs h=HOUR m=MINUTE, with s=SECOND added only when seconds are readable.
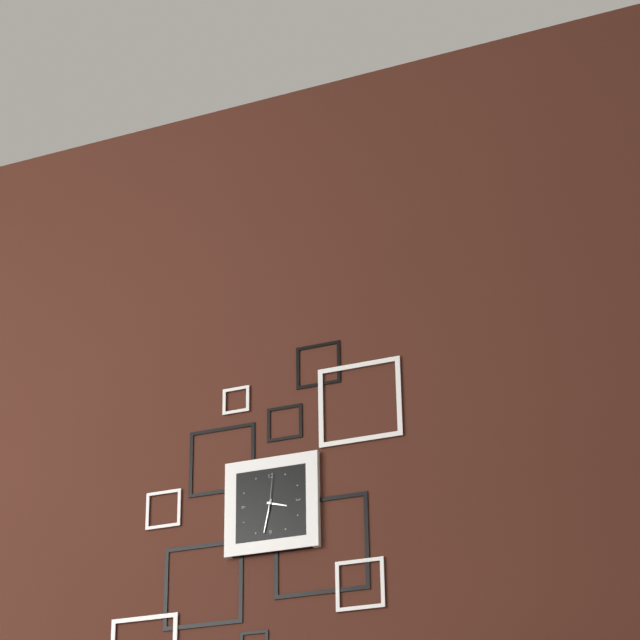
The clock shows h=3 m=32
